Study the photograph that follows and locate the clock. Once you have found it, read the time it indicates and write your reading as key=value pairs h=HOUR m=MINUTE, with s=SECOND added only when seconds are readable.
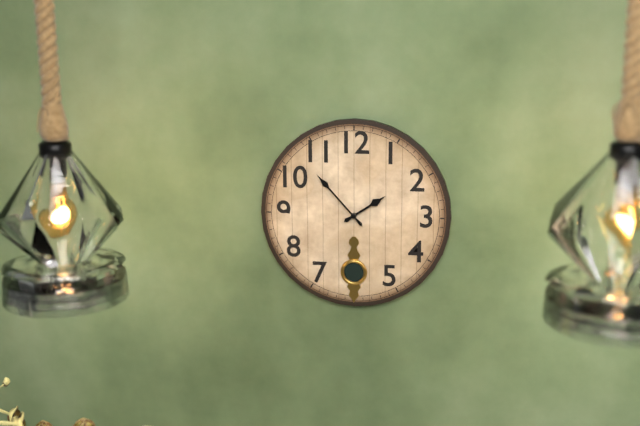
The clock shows h=1 m=53
